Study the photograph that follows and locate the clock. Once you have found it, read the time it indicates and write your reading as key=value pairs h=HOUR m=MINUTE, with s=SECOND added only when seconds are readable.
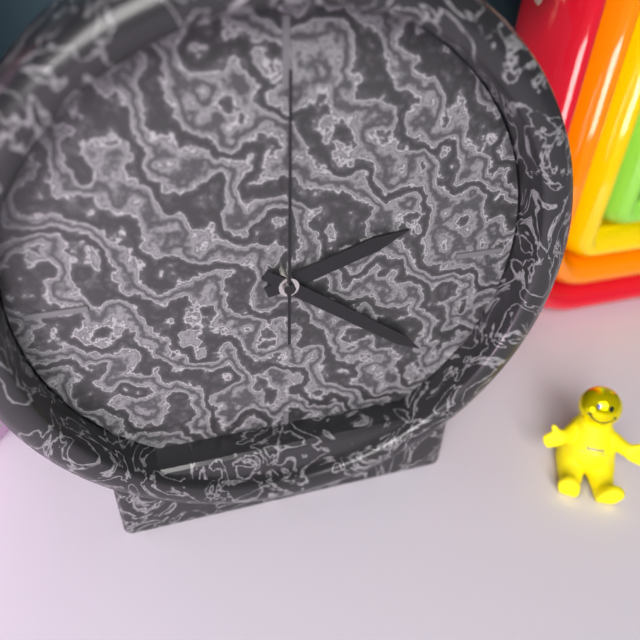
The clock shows h=2 m=21 s=0
